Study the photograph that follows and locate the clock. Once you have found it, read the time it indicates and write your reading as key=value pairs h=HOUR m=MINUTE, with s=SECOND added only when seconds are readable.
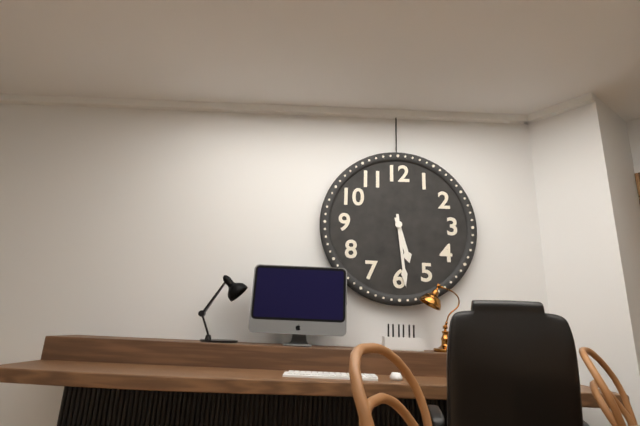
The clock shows h=5 m=29
